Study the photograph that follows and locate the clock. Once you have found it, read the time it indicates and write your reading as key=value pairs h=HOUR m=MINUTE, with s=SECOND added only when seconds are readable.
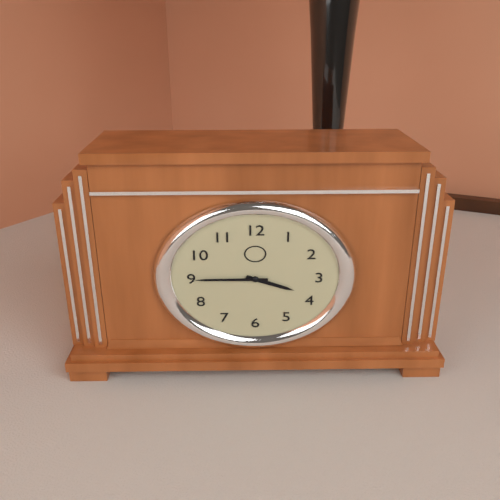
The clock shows h=3 m=45
